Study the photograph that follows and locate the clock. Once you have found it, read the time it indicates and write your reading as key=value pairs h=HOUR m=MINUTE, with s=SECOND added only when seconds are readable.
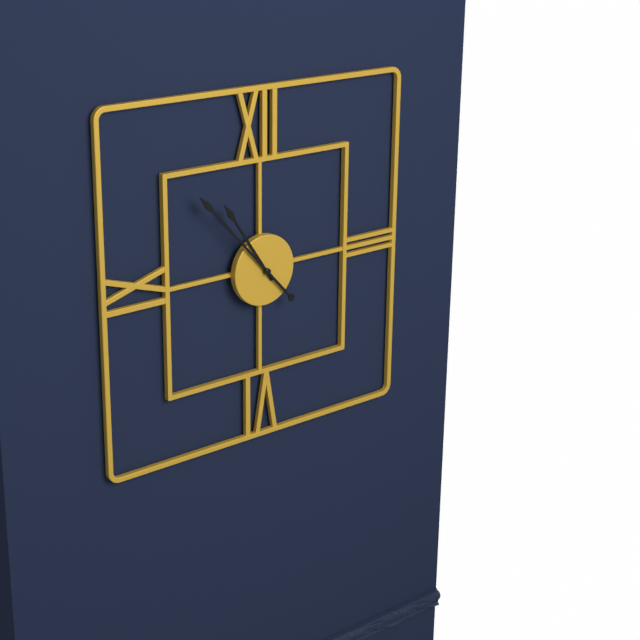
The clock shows h=10 m=53
